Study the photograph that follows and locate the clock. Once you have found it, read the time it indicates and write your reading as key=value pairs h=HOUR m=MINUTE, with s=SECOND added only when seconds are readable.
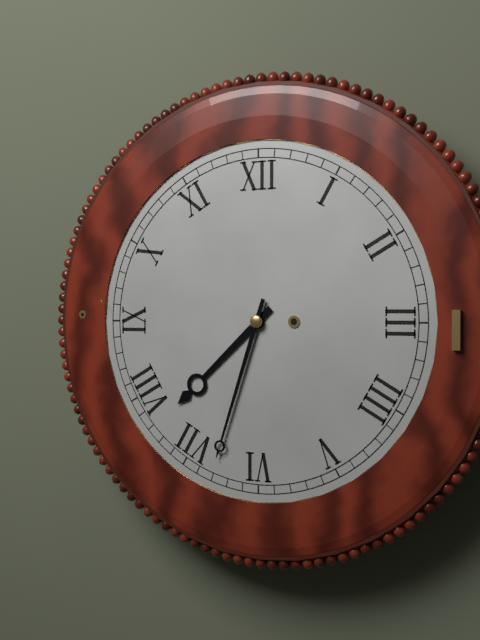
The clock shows h=7 m=33
